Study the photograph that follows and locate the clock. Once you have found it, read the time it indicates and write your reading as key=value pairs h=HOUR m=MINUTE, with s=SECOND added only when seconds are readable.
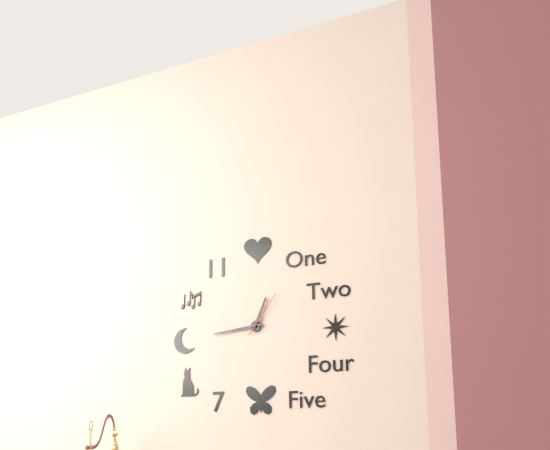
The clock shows h=12 m=44
